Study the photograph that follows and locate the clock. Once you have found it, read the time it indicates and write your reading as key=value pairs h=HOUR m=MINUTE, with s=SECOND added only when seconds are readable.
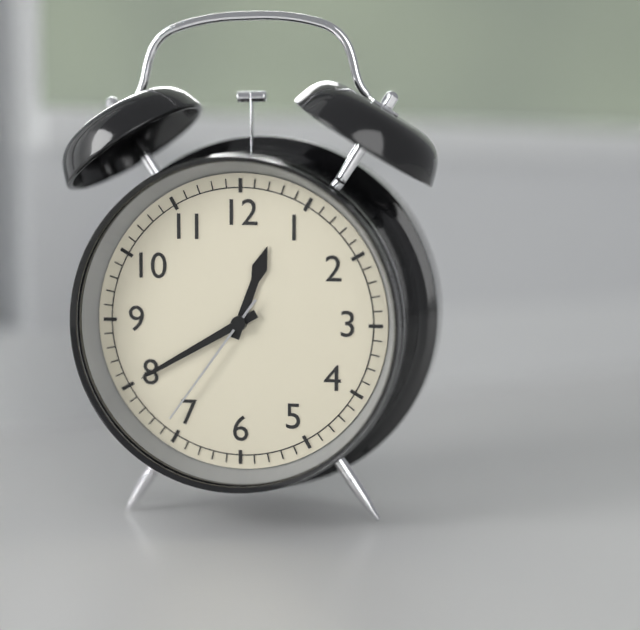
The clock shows h=12 m=40 s=36
